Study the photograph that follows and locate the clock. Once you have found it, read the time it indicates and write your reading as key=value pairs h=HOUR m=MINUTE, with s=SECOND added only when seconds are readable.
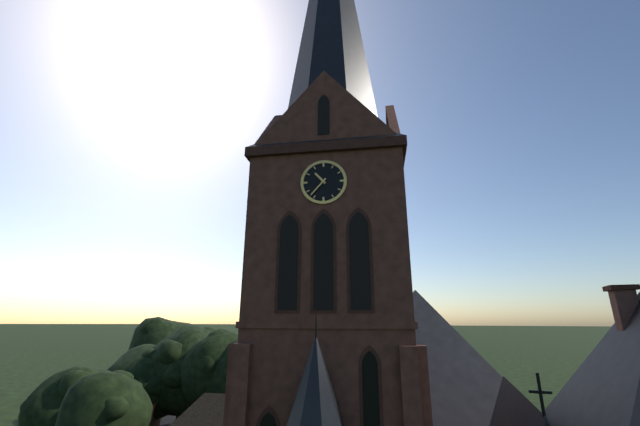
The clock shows h=10 m=37
